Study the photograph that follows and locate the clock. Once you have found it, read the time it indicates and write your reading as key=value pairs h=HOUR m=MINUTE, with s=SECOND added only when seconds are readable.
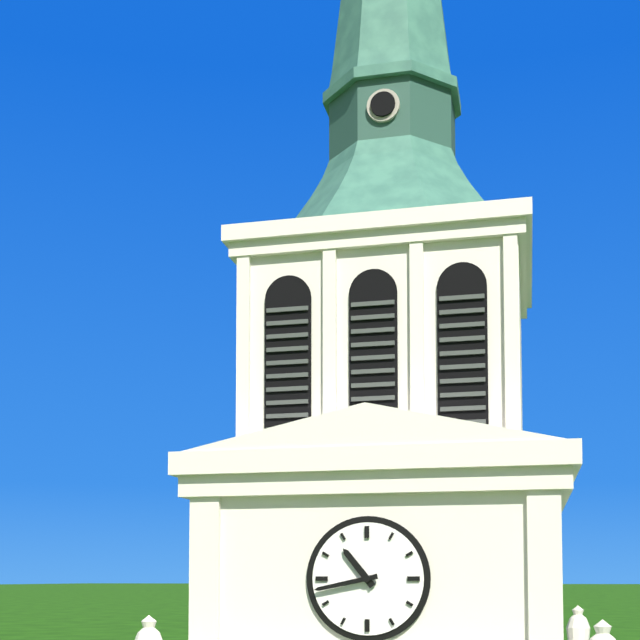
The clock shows h=10 m=43
